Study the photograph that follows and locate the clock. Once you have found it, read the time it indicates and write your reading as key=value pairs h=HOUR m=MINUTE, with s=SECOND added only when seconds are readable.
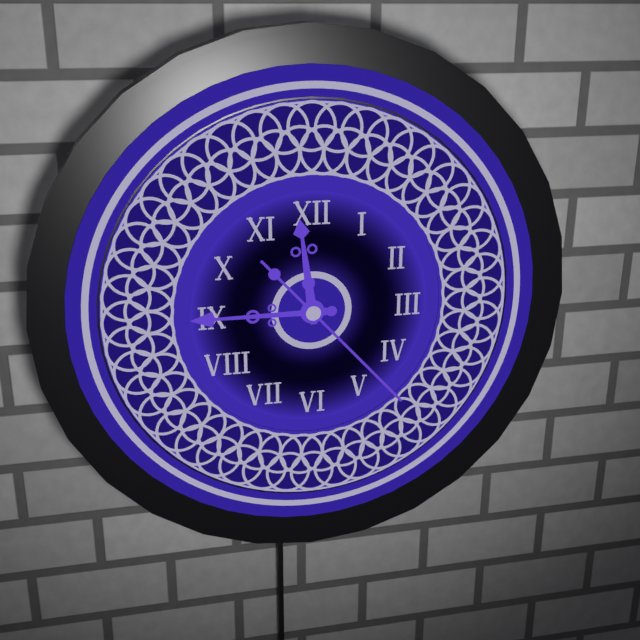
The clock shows h=11 m=45 s=23
